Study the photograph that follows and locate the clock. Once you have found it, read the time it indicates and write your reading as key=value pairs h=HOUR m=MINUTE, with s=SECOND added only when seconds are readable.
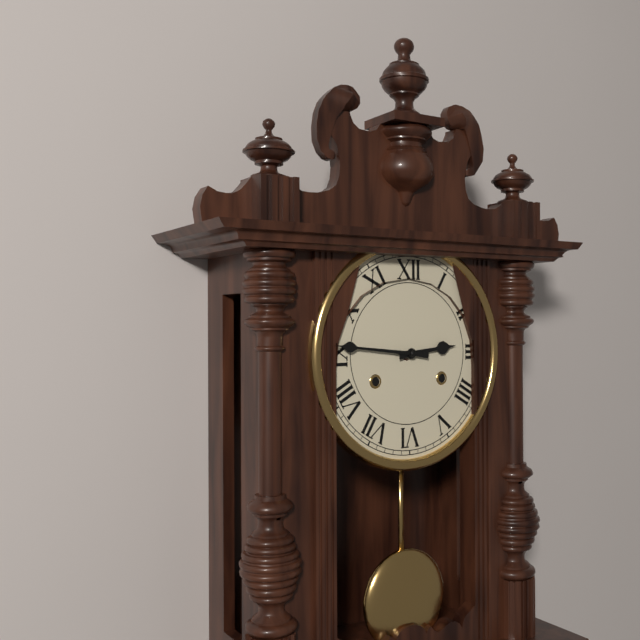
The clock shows h=2 m=46
